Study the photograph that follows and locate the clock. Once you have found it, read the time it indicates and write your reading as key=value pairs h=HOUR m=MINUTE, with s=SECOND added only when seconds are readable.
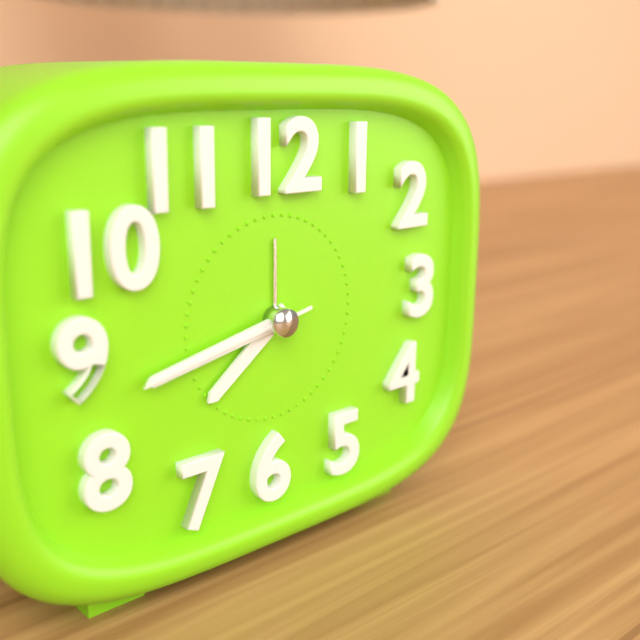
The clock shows h=7 m=43 s=43
